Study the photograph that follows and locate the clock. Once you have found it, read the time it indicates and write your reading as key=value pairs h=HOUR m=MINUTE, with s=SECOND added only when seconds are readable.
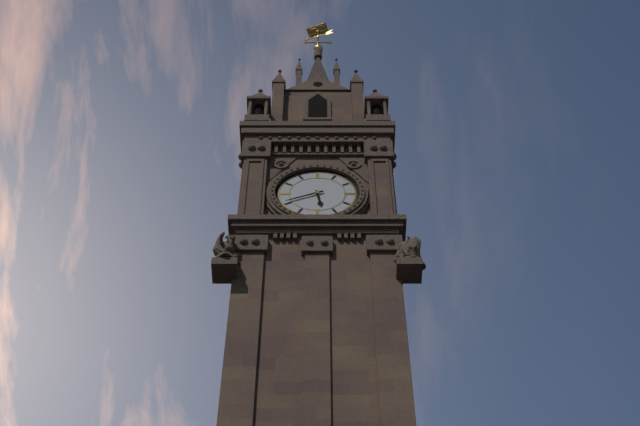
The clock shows h=5 m=41
